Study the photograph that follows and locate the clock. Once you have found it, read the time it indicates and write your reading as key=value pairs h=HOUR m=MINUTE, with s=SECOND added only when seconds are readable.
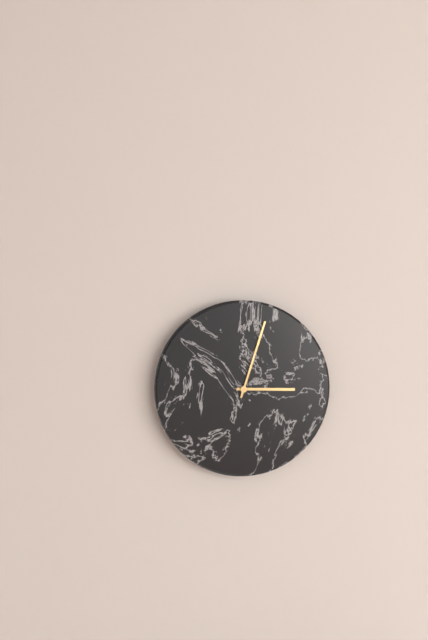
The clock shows h=3 m=3
